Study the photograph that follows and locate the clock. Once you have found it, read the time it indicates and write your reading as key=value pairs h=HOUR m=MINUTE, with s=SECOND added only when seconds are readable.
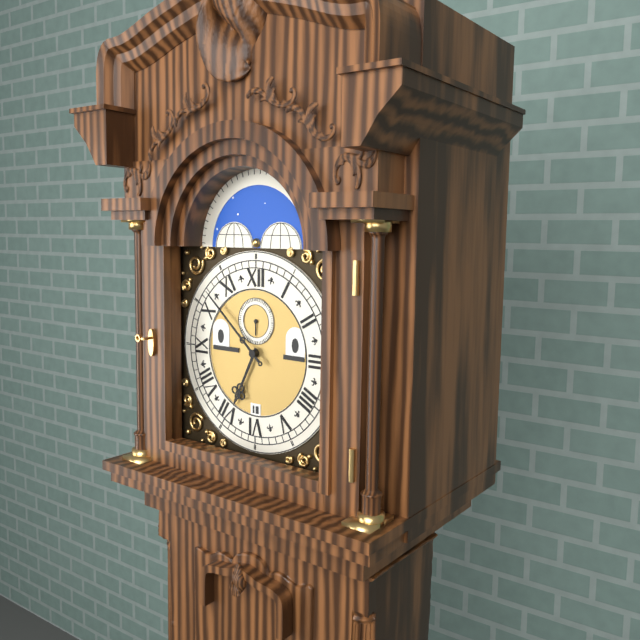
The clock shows h=6 m=52
